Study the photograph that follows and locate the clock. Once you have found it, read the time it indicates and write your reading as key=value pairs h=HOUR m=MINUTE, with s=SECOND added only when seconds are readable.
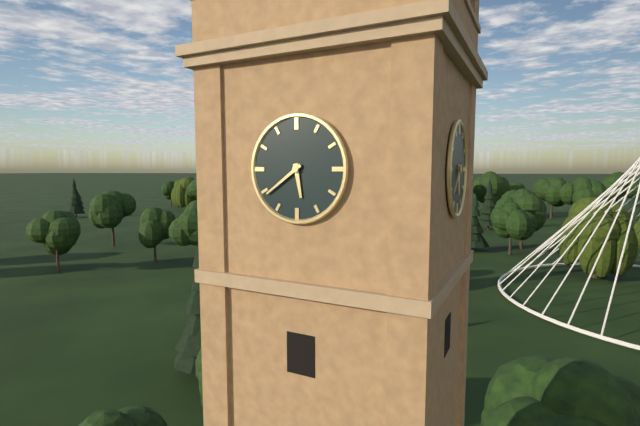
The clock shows h=5 m=39
